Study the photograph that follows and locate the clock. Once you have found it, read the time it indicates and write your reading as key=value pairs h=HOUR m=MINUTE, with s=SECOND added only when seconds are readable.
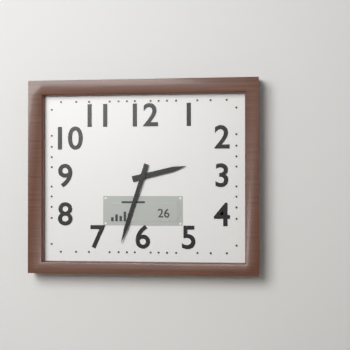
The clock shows h=2 m=33
